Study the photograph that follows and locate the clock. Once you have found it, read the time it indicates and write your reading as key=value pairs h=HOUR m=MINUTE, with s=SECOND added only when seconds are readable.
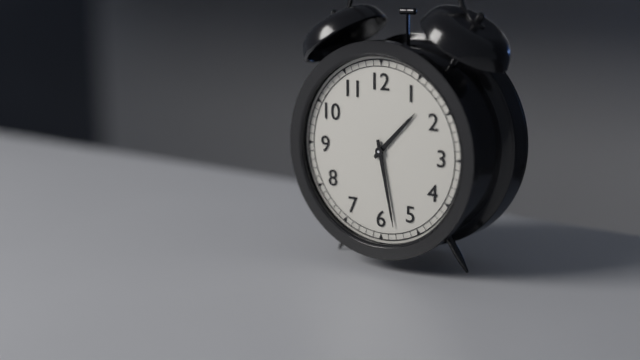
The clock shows h=1 m=28
